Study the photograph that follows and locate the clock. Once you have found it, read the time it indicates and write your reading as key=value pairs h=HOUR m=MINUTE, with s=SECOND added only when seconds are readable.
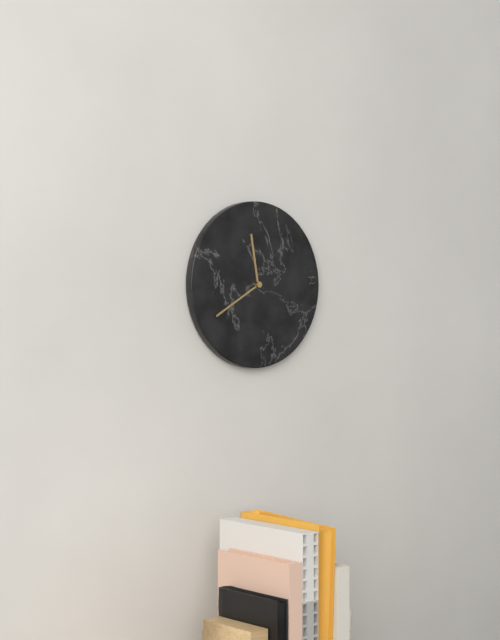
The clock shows h=11 m=40
